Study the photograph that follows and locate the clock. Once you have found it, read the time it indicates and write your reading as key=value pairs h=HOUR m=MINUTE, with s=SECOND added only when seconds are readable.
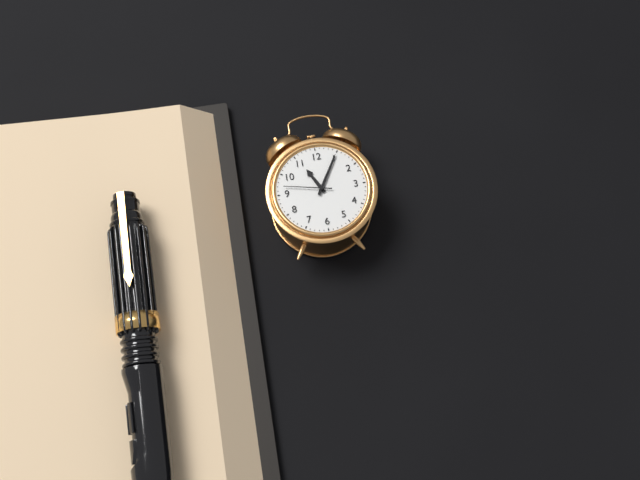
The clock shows h=11 m=5
